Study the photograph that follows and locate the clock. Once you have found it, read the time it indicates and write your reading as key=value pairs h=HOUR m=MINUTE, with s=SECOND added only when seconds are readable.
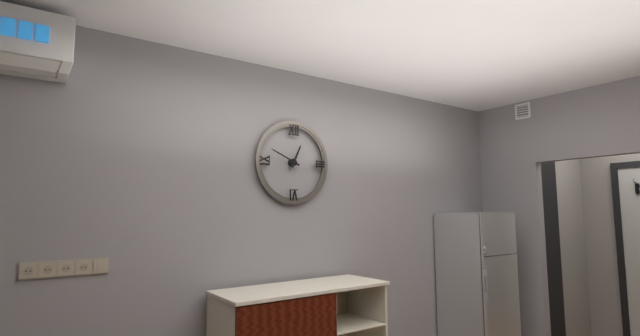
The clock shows h=12 m=49
